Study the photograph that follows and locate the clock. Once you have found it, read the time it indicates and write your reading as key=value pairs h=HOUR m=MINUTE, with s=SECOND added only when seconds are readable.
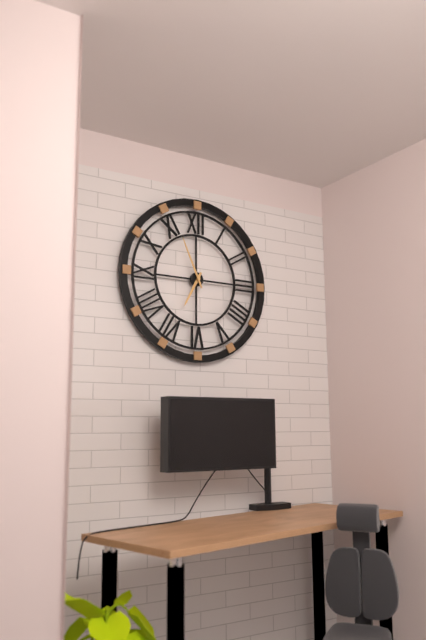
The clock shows h=6 m=56
